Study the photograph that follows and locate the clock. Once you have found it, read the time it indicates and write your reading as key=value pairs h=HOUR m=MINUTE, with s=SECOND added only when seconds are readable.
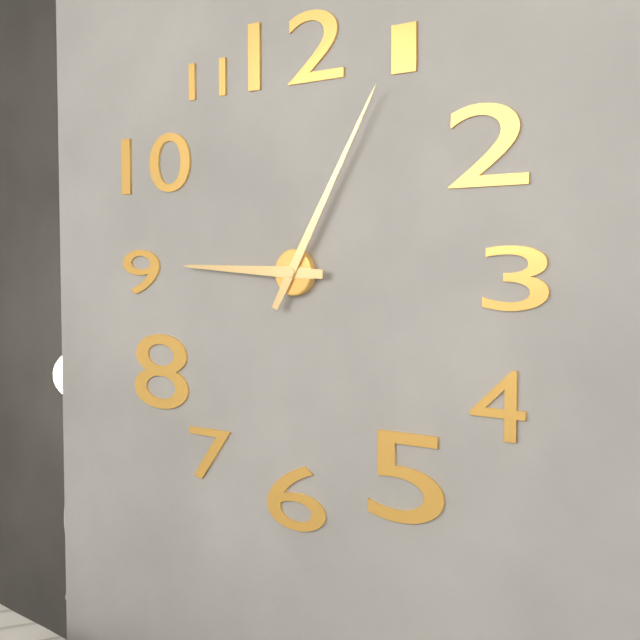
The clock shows h=9 m=5
